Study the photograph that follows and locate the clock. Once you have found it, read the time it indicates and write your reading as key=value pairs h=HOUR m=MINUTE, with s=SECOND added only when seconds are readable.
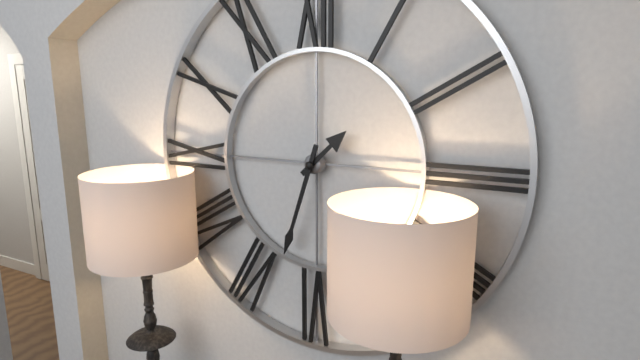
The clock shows h=1 m=33
